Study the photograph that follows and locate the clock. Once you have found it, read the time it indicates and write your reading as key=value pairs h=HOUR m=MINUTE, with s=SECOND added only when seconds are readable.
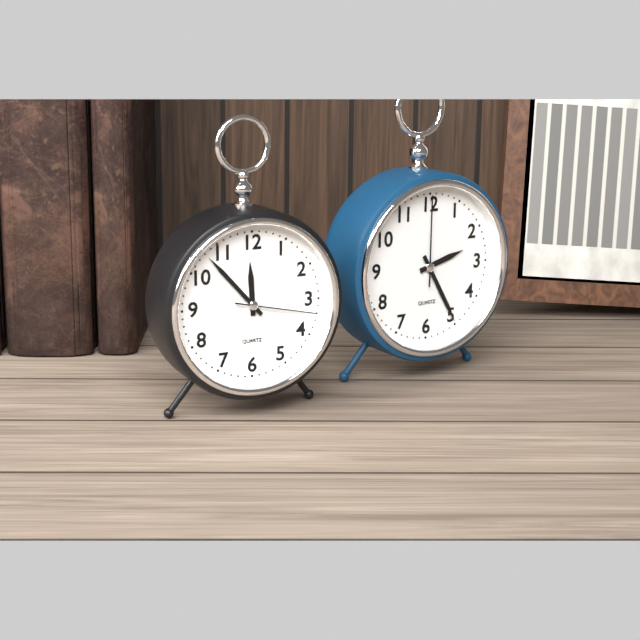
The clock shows h=11 m=53 s=17
